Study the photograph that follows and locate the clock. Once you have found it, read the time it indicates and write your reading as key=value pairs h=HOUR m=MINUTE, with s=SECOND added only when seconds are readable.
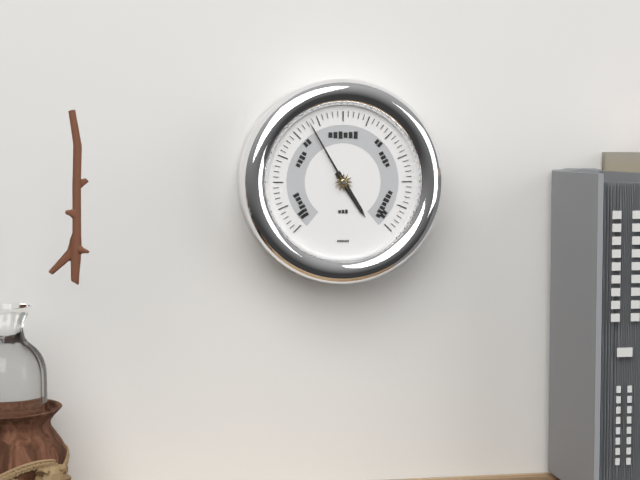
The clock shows h=4 m=55
